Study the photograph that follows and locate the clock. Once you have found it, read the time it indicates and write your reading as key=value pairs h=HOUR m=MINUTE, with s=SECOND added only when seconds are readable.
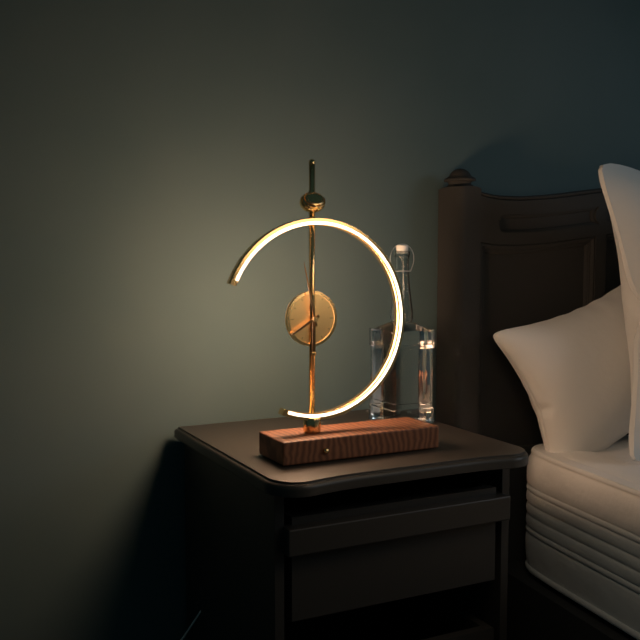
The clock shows h=7 m=58
